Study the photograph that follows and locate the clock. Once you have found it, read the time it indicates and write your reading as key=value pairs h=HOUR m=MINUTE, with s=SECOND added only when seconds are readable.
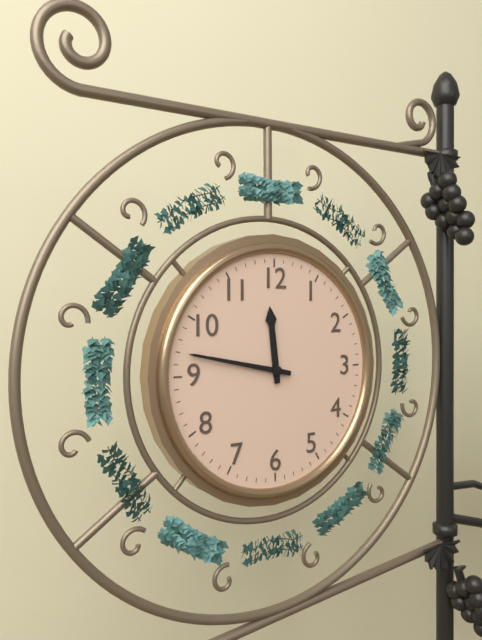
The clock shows h=11 m=47
